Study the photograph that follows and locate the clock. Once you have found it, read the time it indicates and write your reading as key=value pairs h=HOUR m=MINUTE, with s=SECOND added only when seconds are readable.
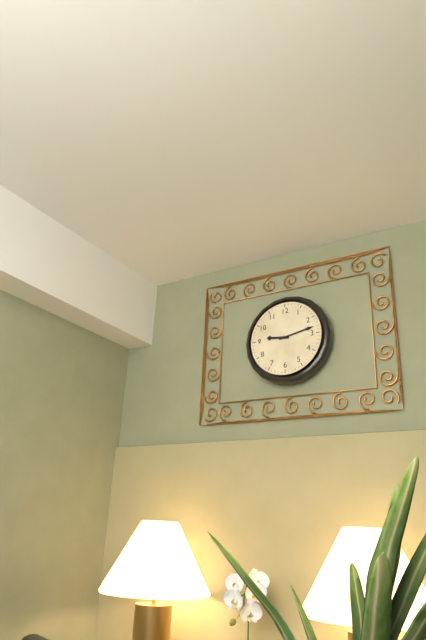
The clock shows h=9 m=13
